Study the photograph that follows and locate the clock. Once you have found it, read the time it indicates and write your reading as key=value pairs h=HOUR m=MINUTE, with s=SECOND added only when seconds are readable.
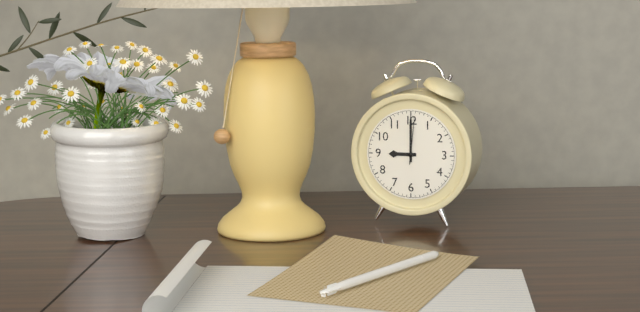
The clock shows h=9 m=0
